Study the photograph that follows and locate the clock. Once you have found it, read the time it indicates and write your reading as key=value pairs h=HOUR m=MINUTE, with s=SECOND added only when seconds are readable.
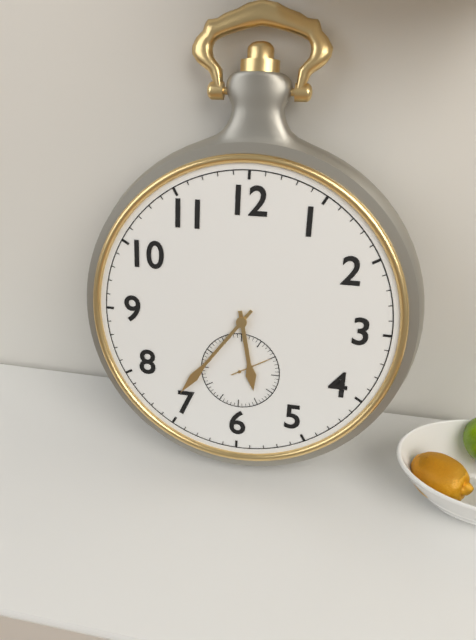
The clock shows h=5 m=36
